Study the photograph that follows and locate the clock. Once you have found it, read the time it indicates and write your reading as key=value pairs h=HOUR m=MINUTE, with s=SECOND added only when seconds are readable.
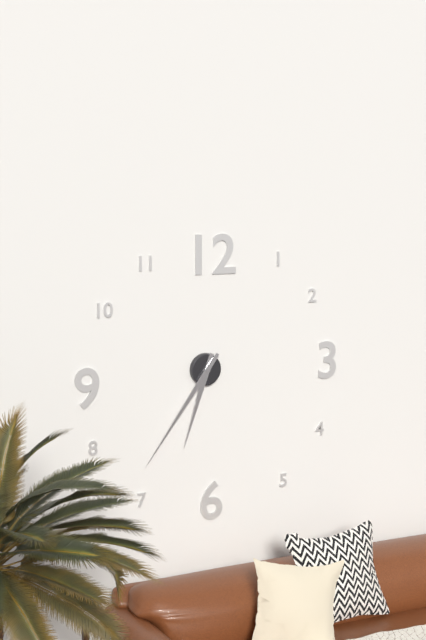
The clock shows h=6 m=36
